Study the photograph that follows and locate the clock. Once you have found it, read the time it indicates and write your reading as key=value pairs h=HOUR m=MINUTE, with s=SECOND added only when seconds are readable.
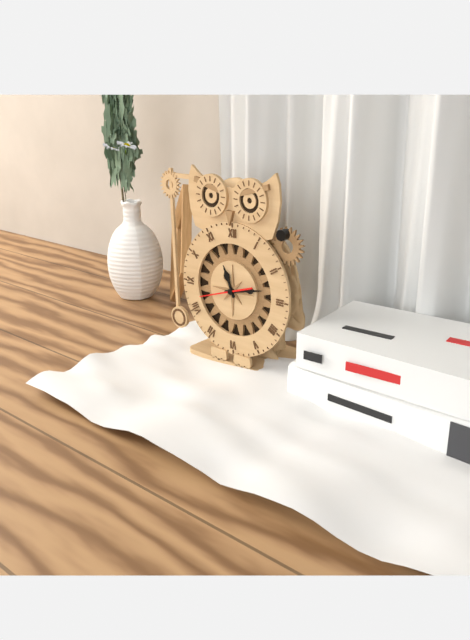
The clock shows h=11 m=13 s=42
